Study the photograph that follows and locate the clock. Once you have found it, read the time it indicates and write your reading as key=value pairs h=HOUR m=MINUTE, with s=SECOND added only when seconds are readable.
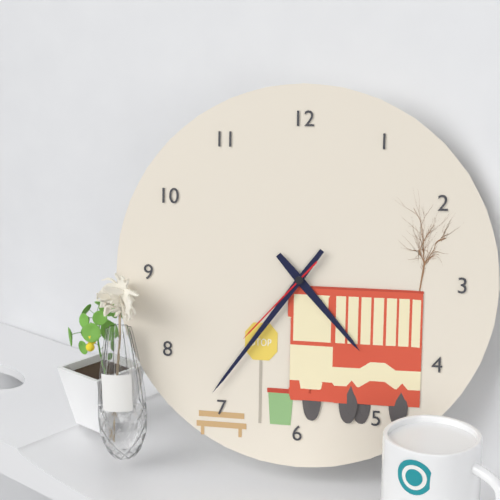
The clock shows h=4 m=36 s=37
